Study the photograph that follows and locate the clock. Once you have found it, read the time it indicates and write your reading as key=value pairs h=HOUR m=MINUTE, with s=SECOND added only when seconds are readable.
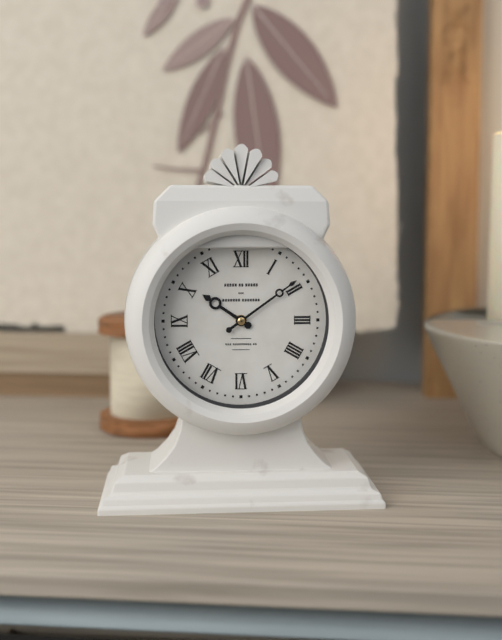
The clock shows h=10 m=9
